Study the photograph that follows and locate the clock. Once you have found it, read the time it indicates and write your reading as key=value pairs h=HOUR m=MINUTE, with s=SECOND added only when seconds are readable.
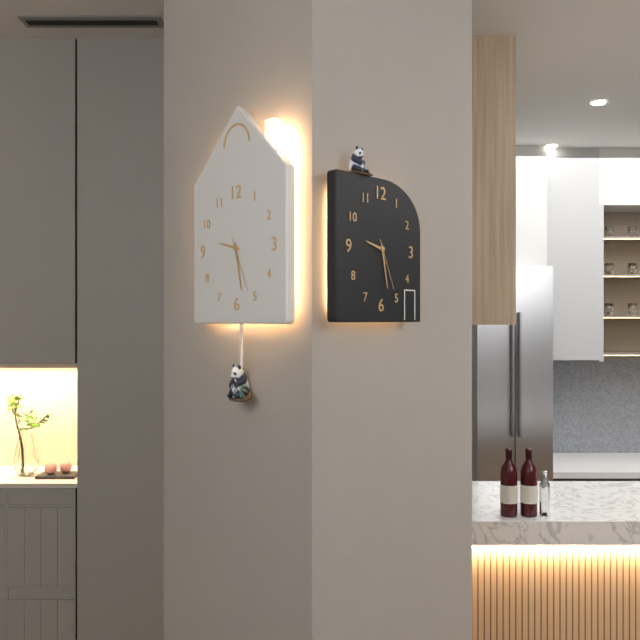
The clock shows h=9 m=28 s=26
